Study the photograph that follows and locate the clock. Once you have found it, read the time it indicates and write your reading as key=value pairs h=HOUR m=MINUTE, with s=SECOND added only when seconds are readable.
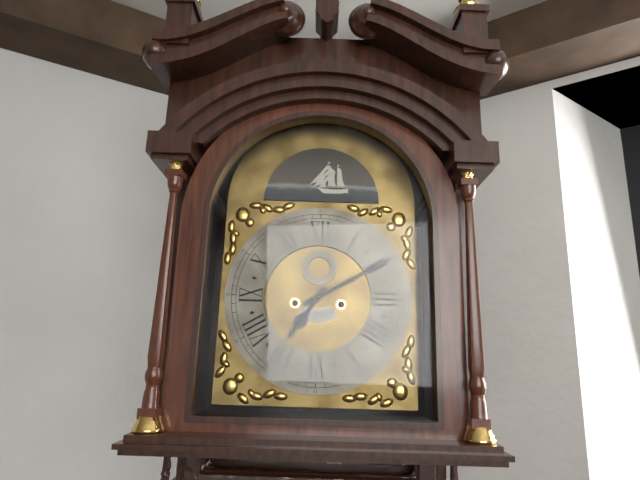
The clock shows h=7 m=10
